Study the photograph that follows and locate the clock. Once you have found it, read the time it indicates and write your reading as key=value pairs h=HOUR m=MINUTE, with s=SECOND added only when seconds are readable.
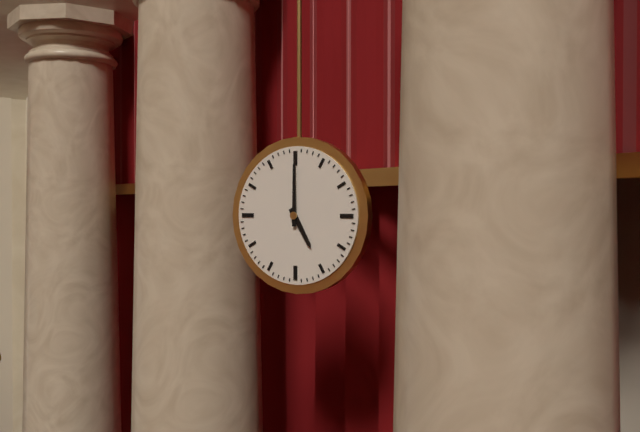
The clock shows h=5 m=0
